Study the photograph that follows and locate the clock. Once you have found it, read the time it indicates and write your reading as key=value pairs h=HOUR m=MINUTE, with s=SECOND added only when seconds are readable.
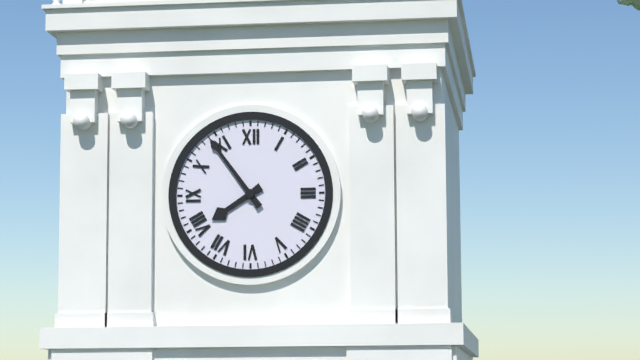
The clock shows h=7 m=54
